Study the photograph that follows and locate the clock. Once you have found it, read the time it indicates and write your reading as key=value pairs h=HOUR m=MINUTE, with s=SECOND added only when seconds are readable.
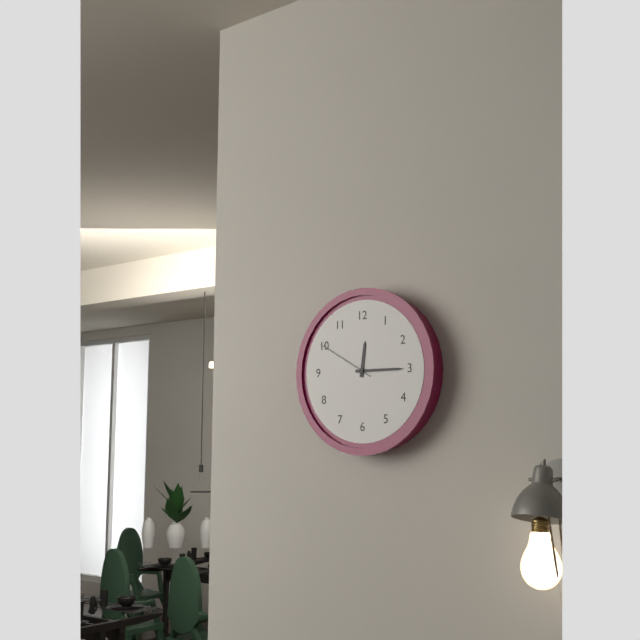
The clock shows h=12 m=15 s=50
